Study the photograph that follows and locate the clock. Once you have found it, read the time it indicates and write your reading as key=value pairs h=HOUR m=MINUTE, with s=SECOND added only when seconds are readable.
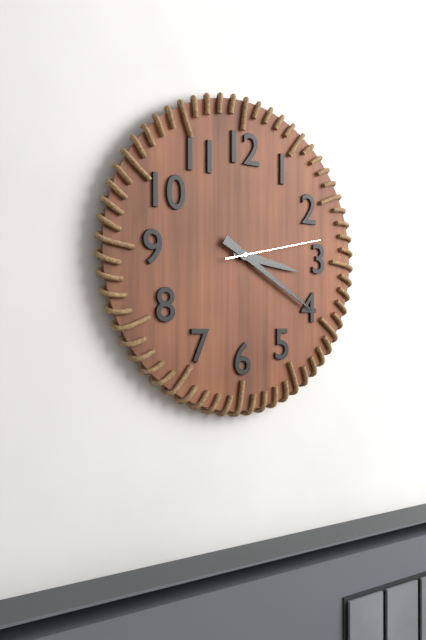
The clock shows h=3 m=20 s=13
